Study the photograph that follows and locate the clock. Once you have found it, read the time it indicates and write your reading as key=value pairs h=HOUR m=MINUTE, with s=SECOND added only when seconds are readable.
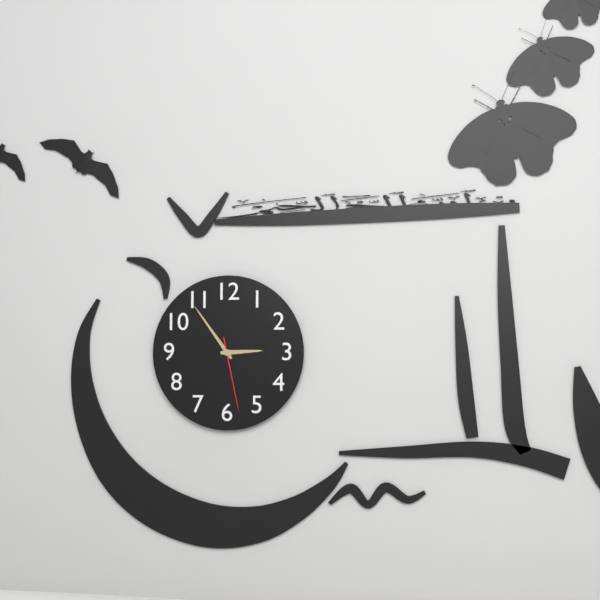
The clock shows h=2 m=54 s=28
